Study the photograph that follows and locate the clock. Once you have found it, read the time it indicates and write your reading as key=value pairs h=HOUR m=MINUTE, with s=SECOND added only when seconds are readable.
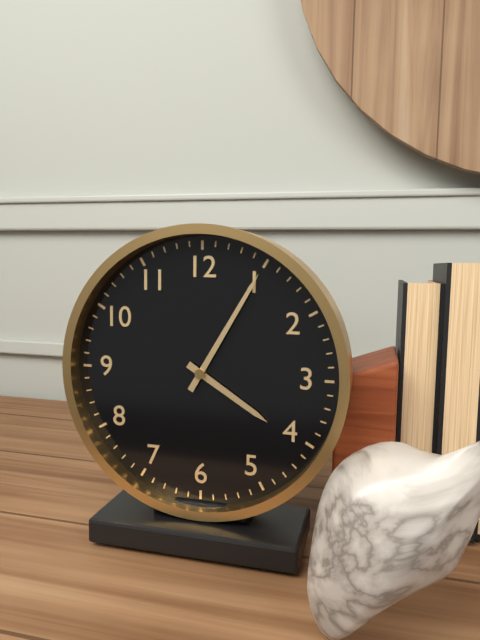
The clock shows h=4 m=5
